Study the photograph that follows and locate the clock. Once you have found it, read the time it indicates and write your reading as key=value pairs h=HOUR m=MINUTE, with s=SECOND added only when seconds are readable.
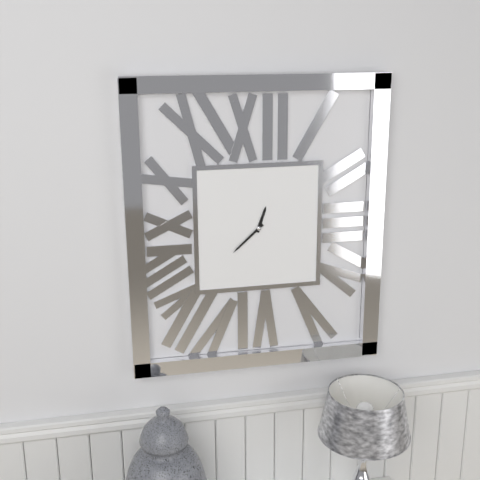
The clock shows h=12 m=38
